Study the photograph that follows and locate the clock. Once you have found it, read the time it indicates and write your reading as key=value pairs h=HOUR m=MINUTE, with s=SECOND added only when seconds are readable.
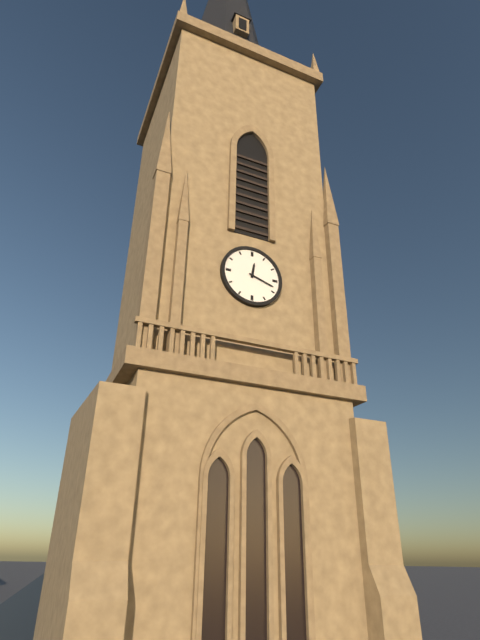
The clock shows h=12 m=18
